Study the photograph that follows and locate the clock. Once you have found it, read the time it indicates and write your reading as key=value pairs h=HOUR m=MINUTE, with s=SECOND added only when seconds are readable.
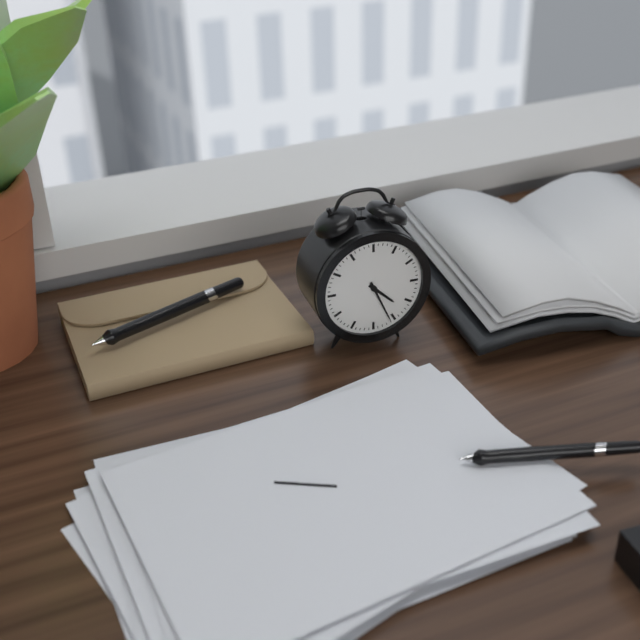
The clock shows h=4 m=26
